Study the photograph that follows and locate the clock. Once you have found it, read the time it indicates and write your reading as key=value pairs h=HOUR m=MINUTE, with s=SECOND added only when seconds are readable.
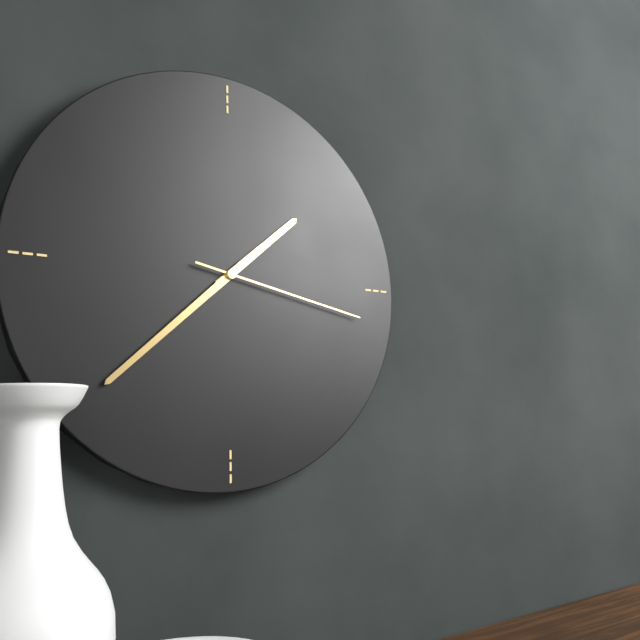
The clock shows h=1 m=38 s=17
